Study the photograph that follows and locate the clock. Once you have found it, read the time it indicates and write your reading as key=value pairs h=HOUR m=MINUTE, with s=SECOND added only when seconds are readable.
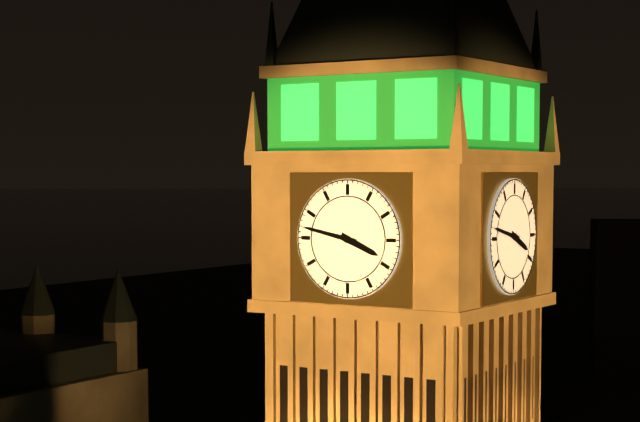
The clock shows h=3 m=47
